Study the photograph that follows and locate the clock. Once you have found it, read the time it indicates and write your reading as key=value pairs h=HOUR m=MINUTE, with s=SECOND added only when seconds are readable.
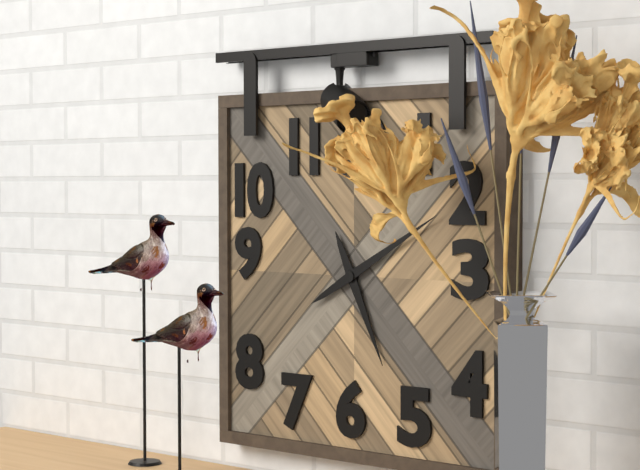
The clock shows h=5 m=10
